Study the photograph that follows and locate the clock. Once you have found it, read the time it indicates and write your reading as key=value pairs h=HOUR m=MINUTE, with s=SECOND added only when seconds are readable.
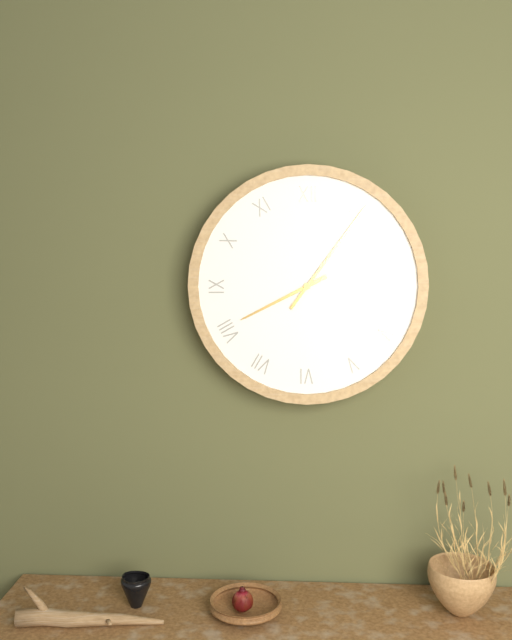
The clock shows h=8 m=6
